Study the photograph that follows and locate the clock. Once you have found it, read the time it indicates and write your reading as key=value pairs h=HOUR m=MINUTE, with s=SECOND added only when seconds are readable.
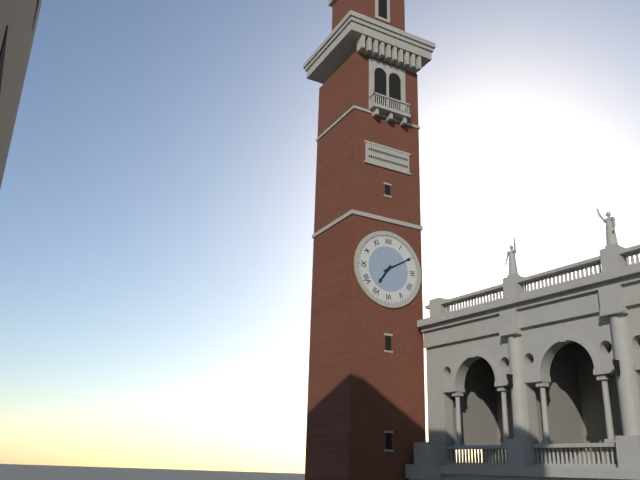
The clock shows h=7 m=10
